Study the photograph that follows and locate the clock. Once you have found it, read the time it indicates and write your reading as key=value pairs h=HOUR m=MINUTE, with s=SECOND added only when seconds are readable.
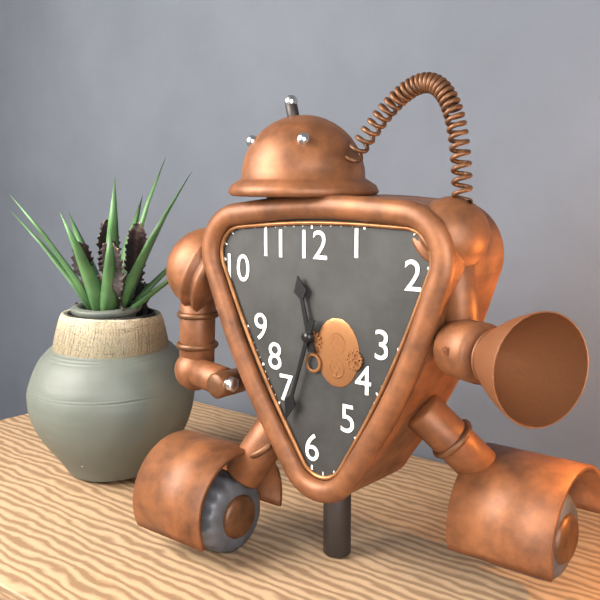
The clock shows h=11 m=33
